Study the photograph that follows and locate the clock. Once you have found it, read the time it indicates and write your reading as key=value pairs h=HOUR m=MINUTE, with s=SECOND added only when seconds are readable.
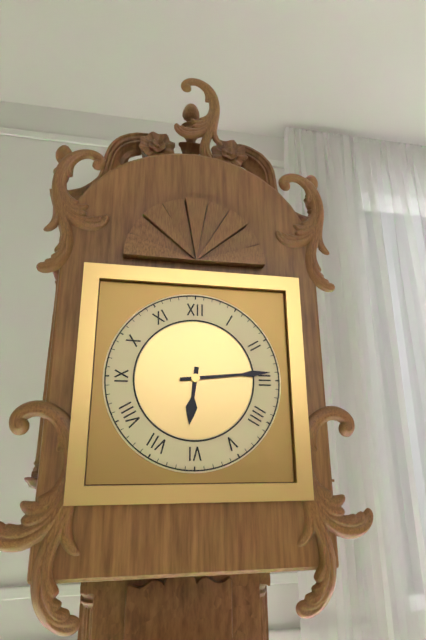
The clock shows h=6 m=14
